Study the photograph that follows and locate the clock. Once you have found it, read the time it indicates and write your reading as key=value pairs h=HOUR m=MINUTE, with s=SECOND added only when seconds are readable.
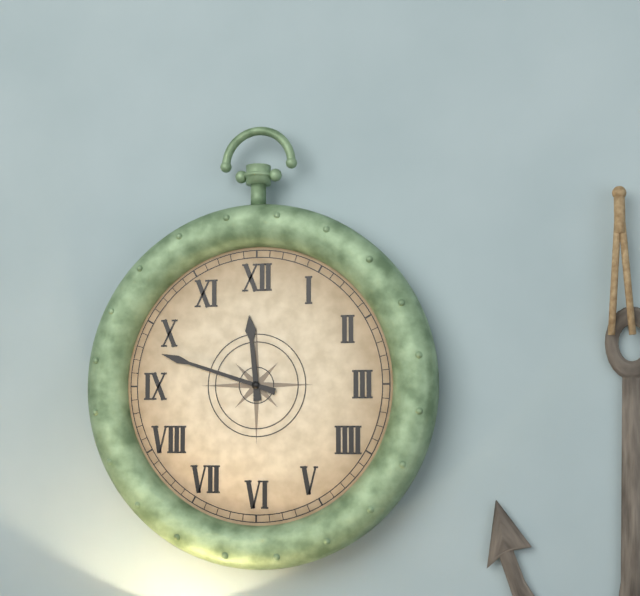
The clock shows h=11 m=48
